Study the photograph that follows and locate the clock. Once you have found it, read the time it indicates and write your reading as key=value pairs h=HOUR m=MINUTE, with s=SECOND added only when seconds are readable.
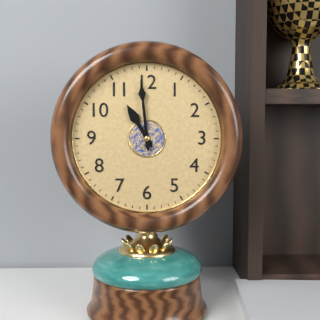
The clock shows h=10 m=59
